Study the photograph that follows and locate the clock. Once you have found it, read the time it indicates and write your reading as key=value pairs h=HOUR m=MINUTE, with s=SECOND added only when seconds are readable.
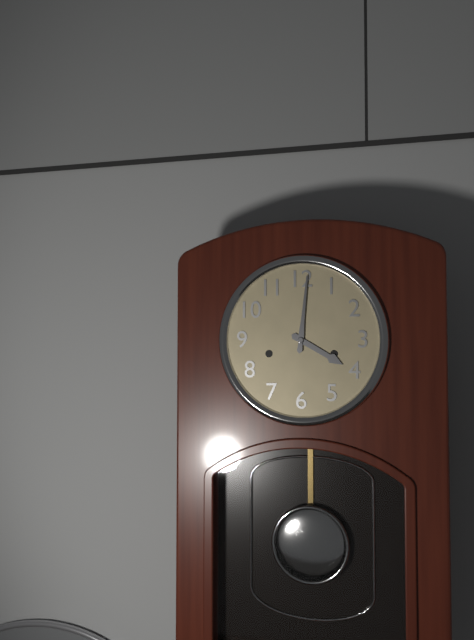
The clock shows h=4 m=1
